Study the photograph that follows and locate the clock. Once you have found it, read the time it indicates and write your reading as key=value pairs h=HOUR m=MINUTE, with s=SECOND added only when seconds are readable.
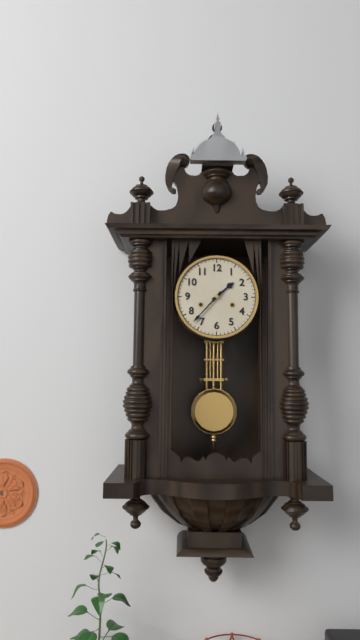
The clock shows h=1 m=37
